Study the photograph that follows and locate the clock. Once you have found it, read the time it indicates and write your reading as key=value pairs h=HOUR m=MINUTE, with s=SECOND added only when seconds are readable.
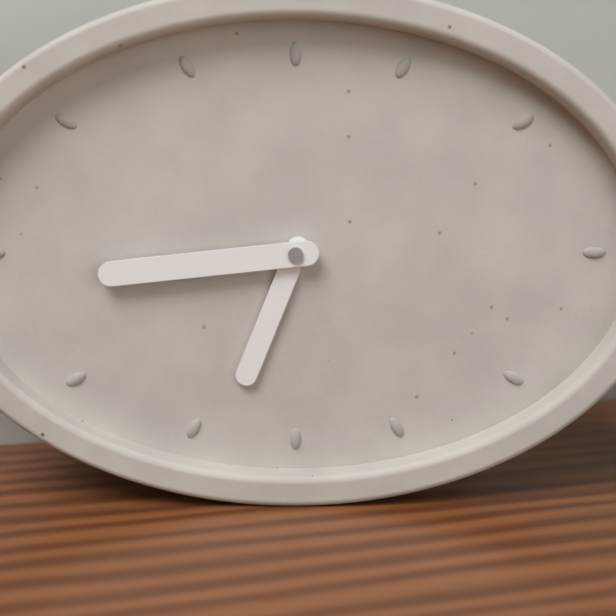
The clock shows h=6 m=44
